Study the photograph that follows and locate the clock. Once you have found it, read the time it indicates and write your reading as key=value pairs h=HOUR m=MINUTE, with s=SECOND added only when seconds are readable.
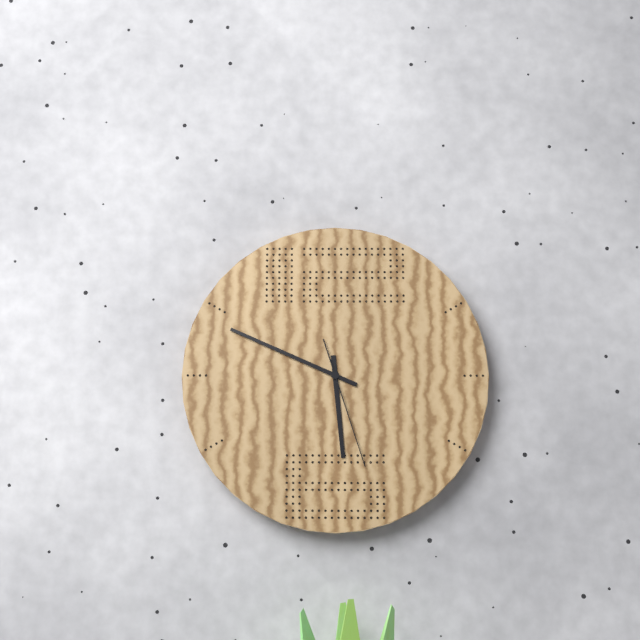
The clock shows h=5 m=49 s=27
